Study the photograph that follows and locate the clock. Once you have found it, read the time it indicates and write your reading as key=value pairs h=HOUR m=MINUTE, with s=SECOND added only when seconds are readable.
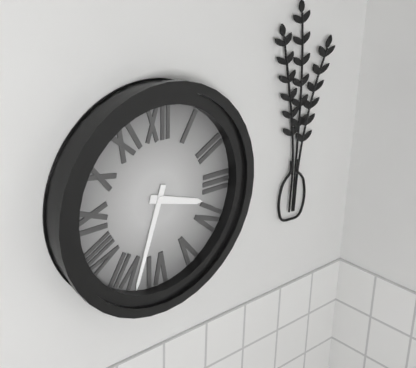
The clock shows h=3 m=33
